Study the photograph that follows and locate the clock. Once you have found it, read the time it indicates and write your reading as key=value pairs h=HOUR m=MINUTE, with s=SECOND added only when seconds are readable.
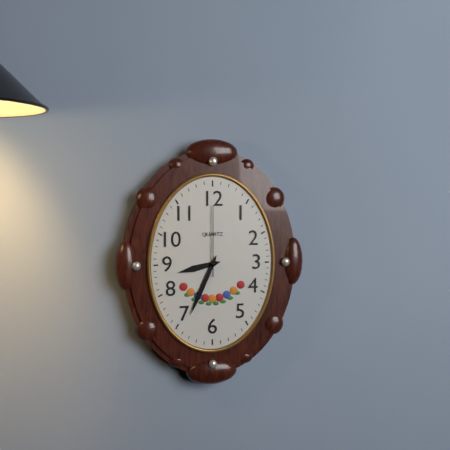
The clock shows h=8 m=34 s=0
